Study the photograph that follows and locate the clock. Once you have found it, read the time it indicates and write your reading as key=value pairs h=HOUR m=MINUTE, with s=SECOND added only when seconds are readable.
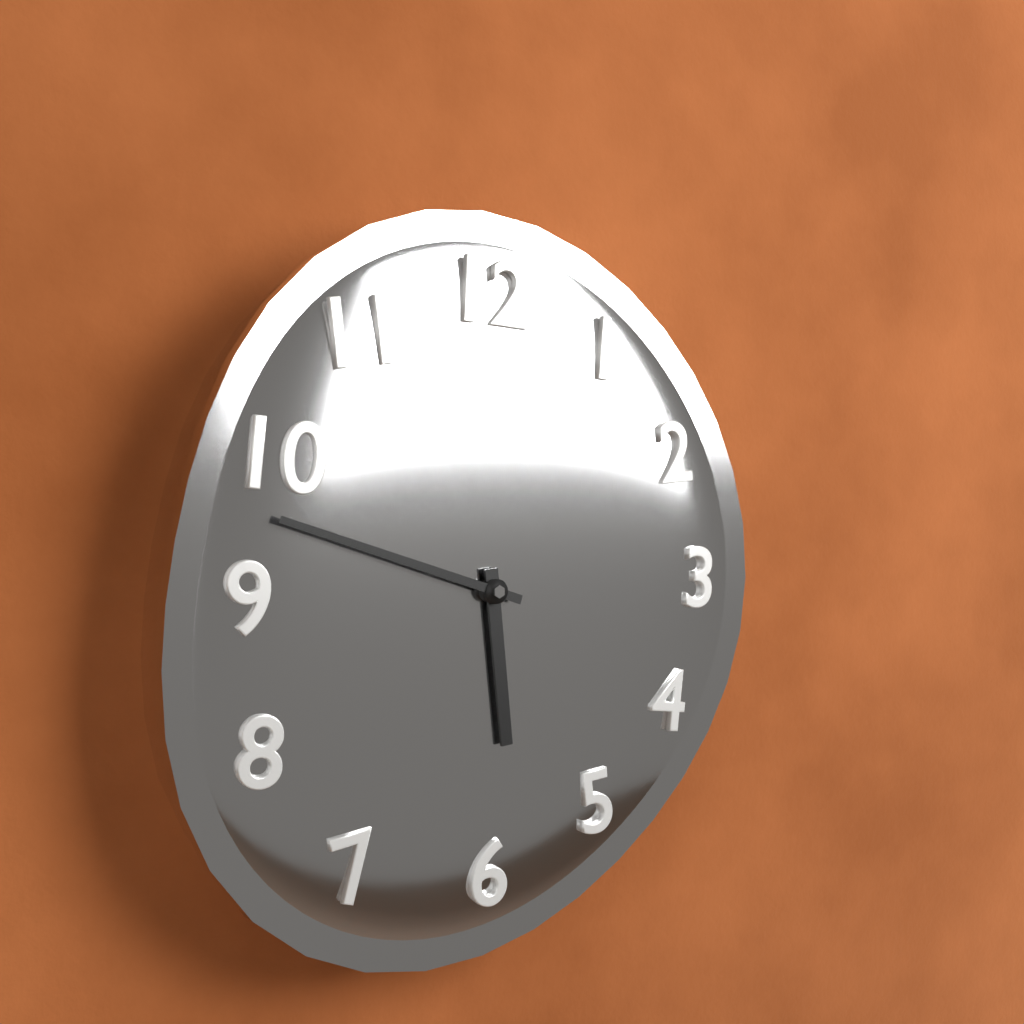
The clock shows h=5 m=48
